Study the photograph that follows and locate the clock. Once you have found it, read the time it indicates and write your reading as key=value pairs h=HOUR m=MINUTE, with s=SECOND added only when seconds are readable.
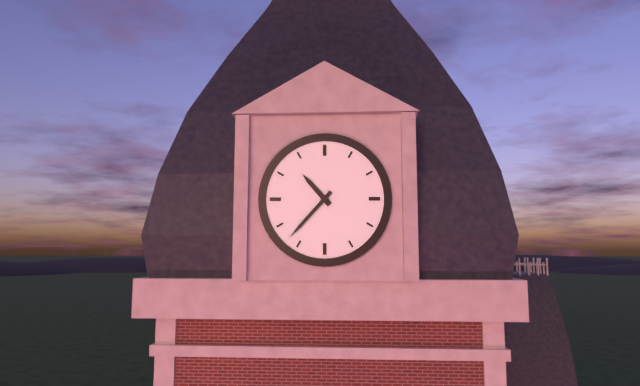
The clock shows h=10 m=37
